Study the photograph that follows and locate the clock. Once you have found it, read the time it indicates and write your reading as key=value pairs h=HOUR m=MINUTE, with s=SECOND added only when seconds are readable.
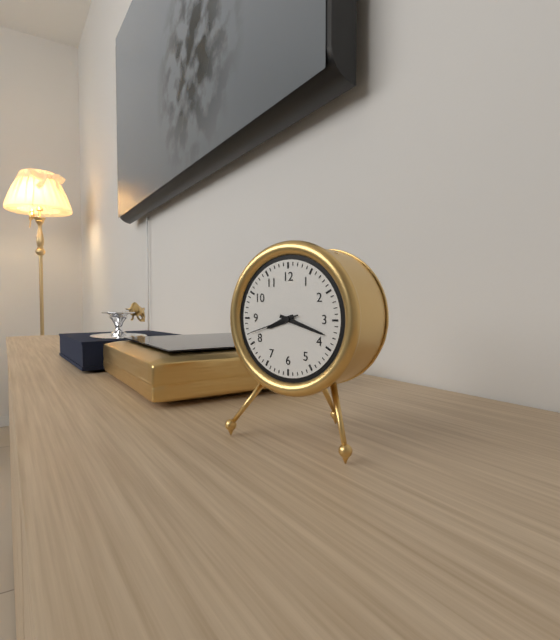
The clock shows h=8 m=18
